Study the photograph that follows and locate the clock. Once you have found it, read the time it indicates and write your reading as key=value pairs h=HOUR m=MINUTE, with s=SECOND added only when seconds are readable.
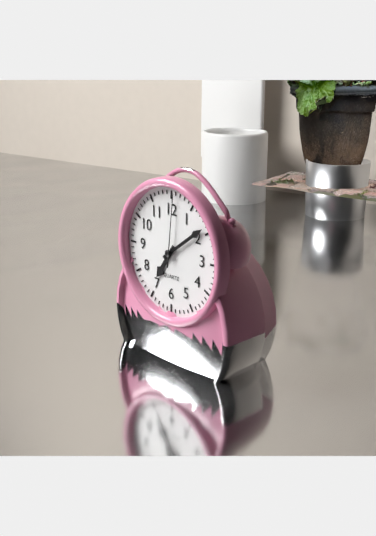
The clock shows h=7 m=9 s=1
